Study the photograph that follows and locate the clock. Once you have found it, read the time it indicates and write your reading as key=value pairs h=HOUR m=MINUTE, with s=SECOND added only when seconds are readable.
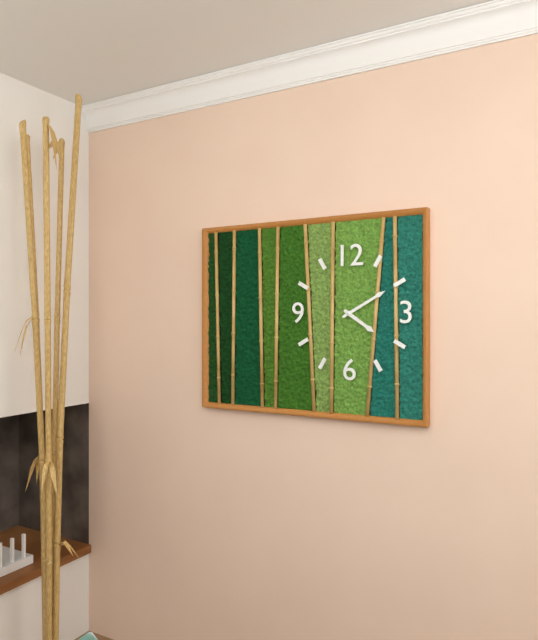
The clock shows h=4 m=10
